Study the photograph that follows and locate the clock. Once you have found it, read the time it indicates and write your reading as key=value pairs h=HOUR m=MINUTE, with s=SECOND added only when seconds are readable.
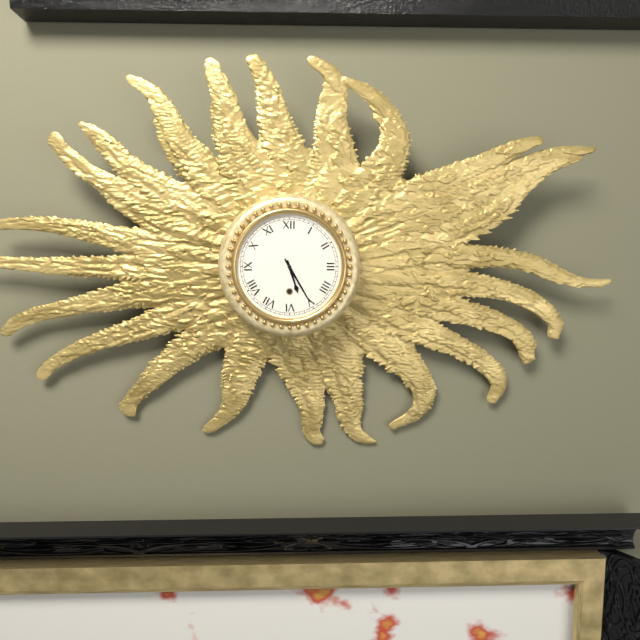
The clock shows h=5 m=25
